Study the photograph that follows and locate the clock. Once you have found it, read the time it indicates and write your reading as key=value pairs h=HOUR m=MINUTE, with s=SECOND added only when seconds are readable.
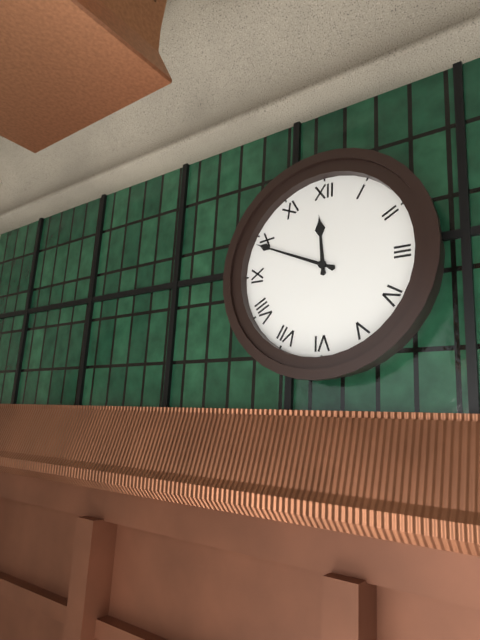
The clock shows h=11 m=49
